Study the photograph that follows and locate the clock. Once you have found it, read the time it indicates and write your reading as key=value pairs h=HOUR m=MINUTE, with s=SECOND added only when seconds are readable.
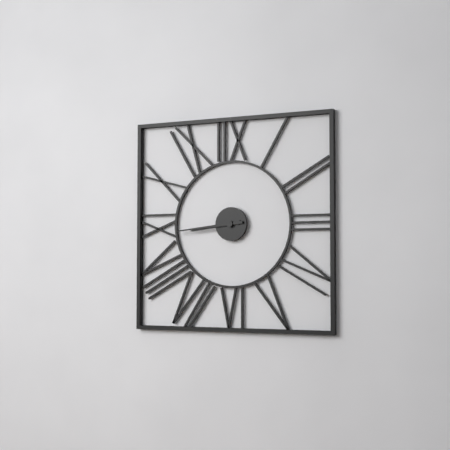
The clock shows h=8 m=44
